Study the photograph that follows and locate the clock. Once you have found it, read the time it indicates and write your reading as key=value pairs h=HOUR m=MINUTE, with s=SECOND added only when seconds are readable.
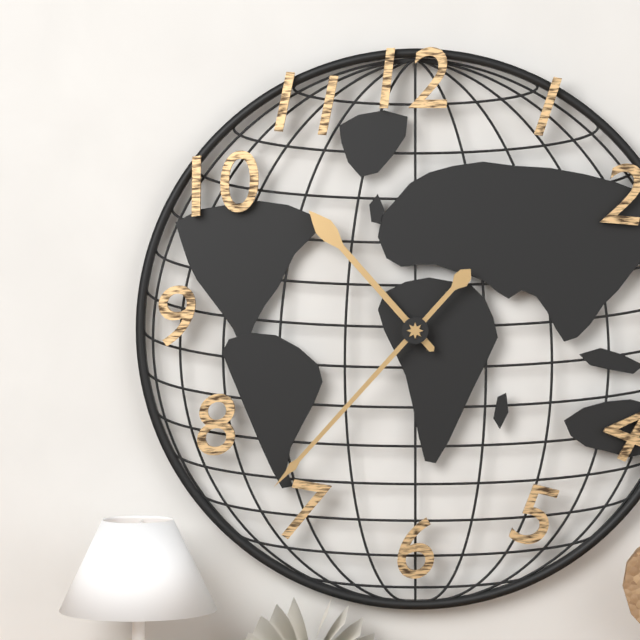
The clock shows h=10 m=37
